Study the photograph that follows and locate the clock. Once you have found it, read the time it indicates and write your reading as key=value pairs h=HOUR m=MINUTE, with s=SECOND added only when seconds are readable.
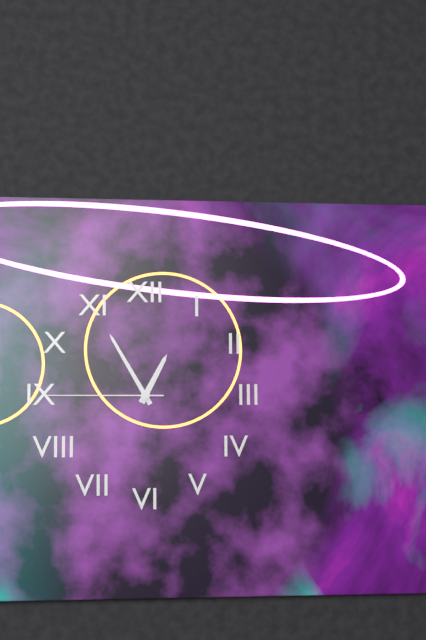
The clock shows h=12 m=55 s=45
